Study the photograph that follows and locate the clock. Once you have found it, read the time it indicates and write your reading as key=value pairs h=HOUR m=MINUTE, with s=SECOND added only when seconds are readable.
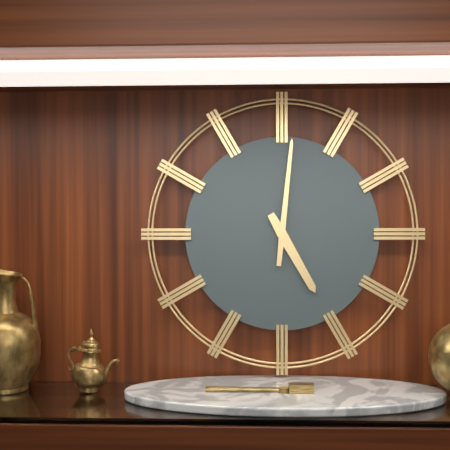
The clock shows h=5 m=1
